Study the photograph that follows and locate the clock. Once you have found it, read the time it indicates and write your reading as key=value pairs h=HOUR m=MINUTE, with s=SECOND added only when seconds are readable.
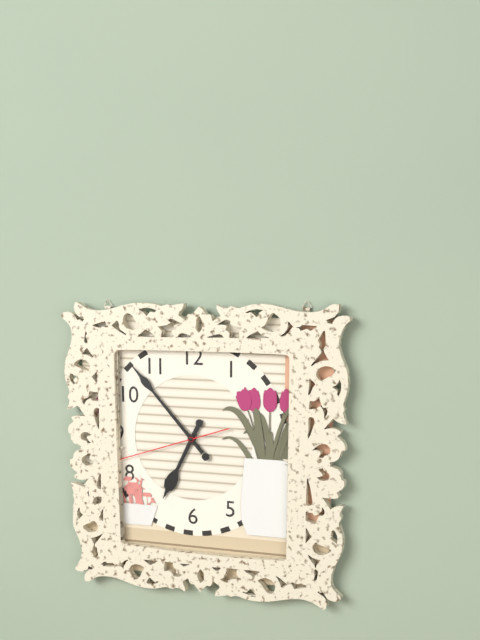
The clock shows h=6 m=53 s=42
